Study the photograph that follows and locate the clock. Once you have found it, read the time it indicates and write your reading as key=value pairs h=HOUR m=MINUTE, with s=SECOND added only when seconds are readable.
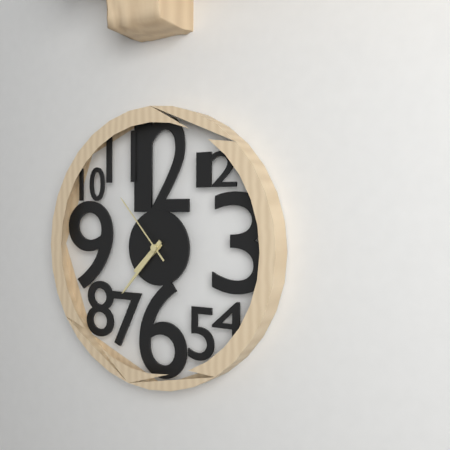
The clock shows h=7 m=37 s=53
